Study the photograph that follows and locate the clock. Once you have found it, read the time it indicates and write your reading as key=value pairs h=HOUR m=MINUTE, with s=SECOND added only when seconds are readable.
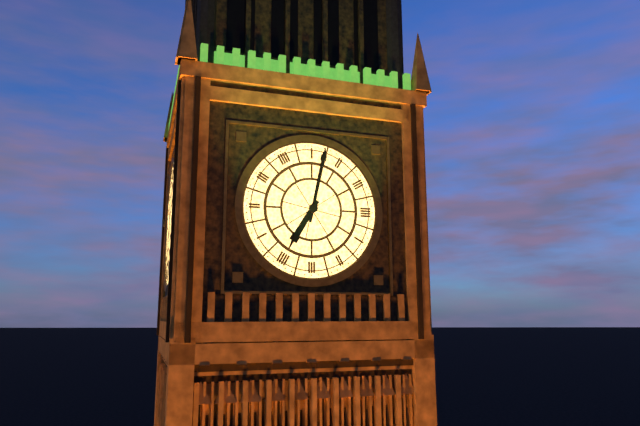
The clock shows h=7 m=2
